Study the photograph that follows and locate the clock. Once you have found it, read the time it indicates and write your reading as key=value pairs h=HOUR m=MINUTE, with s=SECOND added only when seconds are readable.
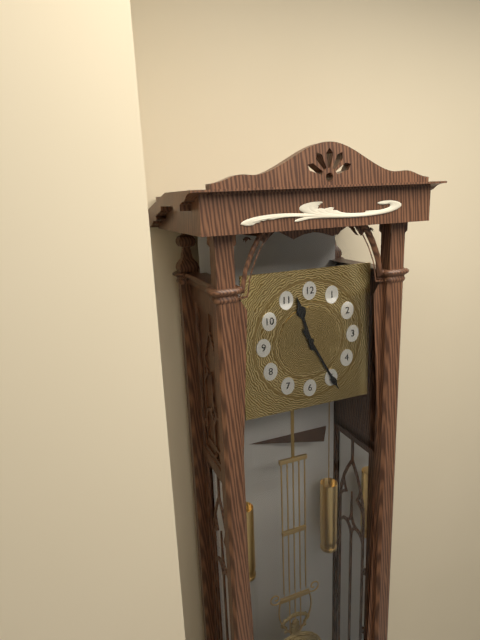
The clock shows h=11 m=25
